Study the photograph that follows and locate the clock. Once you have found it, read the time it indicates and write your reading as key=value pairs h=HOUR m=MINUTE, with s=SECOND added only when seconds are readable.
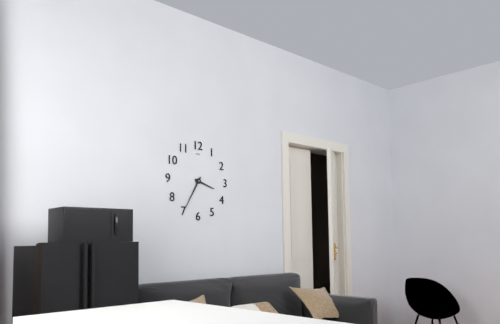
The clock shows h=3 m=35
